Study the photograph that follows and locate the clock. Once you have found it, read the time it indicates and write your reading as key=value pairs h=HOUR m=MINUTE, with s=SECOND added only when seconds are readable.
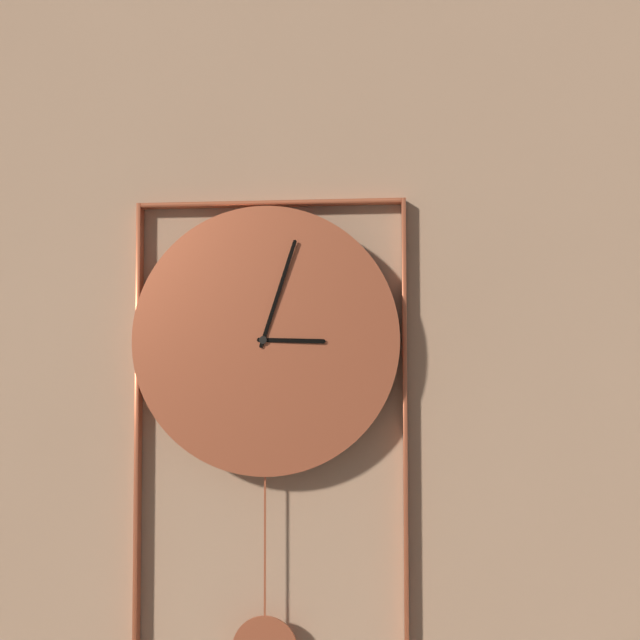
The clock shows h=3 m=3
